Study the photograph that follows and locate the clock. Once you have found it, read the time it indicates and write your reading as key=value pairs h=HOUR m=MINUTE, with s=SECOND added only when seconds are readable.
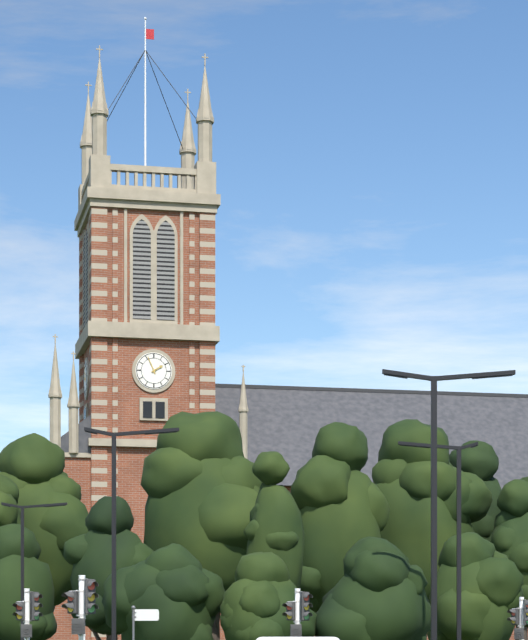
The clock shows h=1 m=56
